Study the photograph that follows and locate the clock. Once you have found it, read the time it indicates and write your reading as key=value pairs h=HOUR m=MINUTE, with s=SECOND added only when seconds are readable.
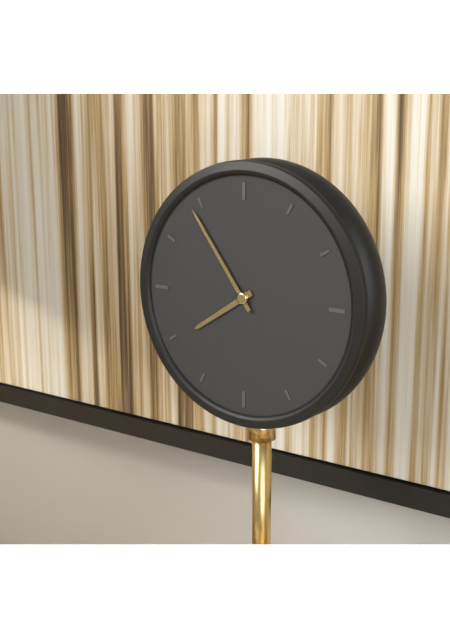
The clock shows h=7 m=54
